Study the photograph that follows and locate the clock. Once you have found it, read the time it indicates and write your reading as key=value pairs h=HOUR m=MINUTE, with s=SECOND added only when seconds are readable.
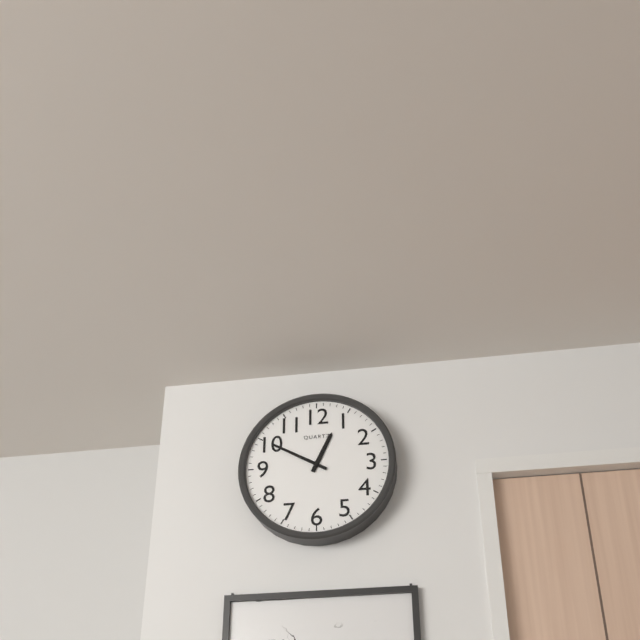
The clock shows h=12 m=50
